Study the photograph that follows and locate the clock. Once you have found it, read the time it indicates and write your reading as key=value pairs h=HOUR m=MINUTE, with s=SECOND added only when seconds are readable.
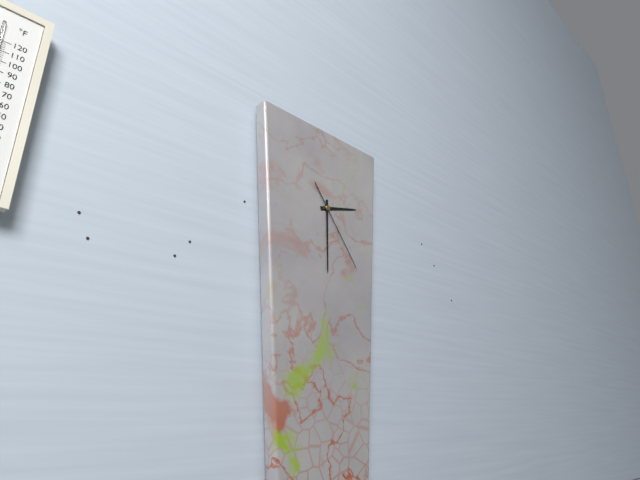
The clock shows h=2 m=30 s=24
